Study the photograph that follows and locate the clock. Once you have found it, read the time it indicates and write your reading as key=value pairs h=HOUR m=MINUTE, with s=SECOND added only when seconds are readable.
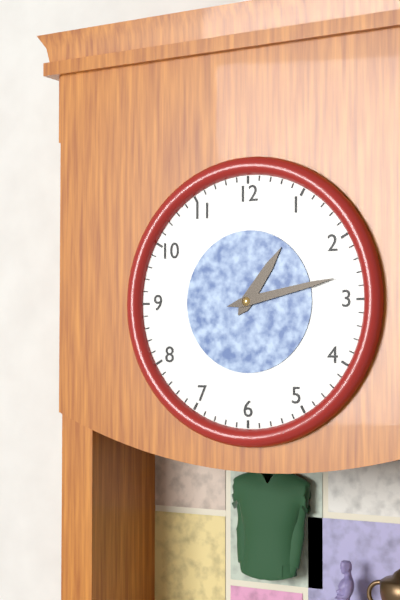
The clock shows h=1 m=13
